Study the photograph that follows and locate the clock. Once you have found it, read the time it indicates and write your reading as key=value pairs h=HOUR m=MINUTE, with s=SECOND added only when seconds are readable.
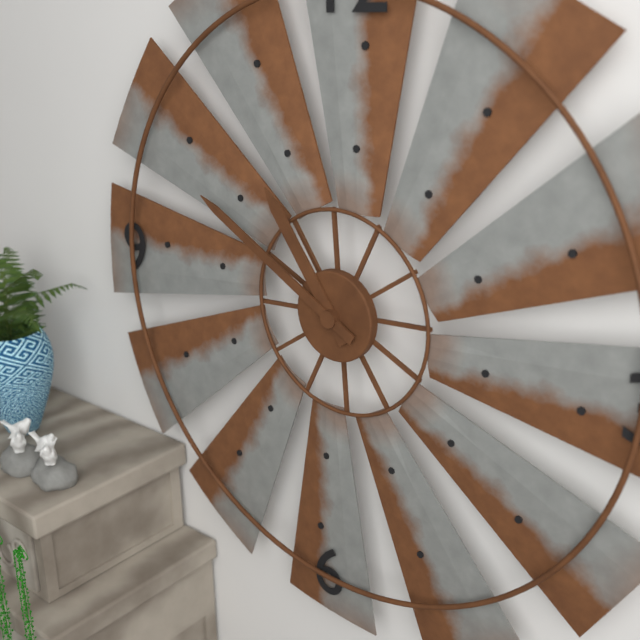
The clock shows h=10 m=50
